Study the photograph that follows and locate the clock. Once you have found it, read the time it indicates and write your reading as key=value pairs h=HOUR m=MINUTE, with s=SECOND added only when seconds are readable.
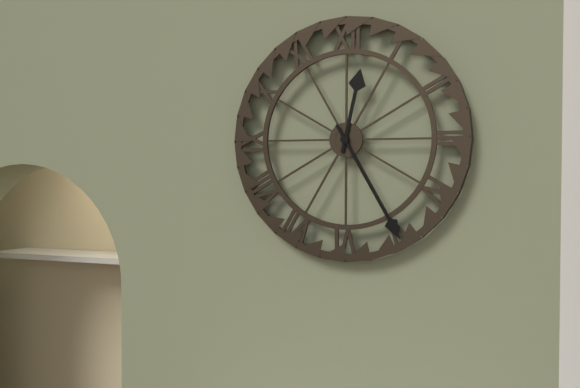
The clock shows h=12 m=25
